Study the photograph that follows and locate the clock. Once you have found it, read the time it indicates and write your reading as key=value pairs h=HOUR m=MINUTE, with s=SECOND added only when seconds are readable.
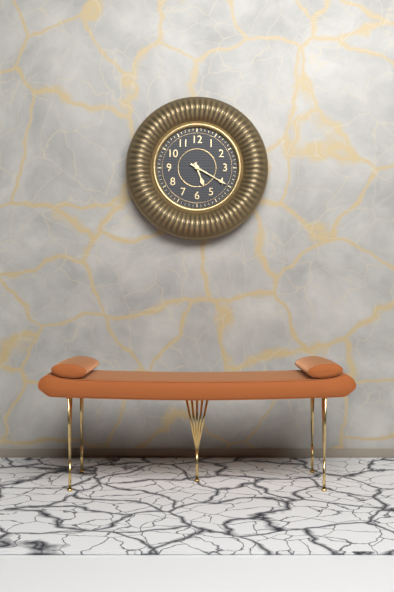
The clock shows h=5 m=20
